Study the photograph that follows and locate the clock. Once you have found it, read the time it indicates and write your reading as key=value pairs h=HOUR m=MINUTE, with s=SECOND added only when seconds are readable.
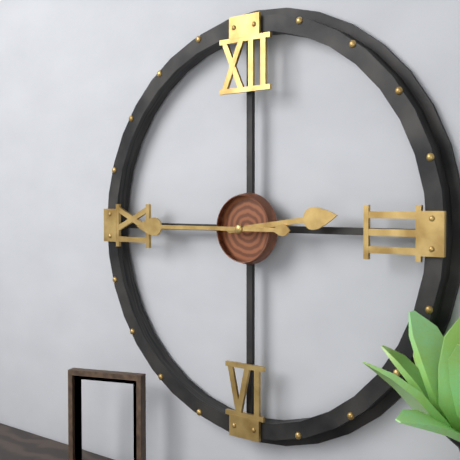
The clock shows h=2 m=45
